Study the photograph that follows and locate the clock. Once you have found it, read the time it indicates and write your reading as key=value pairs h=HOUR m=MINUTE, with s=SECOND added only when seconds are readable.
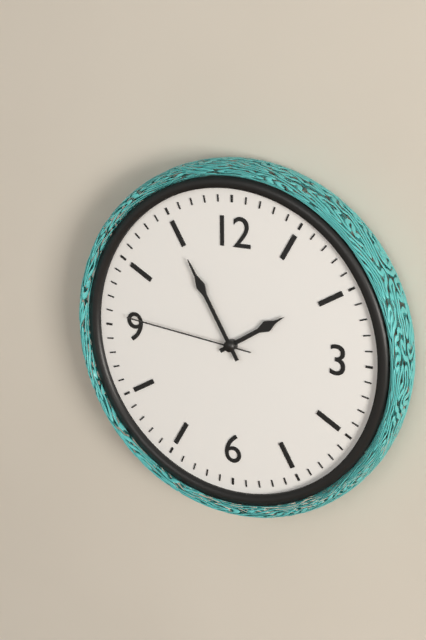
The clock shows h=1 m=55 s=46
